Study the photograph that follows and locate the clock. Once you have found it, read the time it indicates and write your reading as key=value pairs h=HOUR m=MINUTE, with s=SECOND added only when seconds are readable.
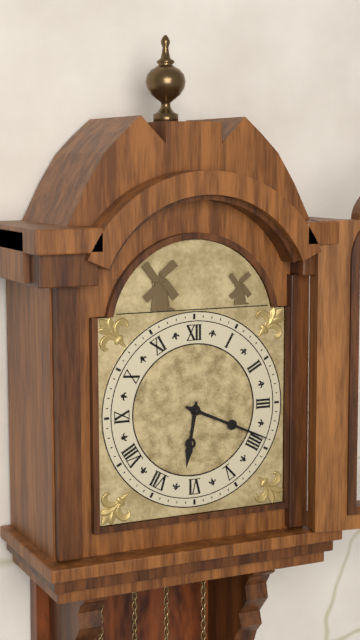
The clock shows h=6 m=19
